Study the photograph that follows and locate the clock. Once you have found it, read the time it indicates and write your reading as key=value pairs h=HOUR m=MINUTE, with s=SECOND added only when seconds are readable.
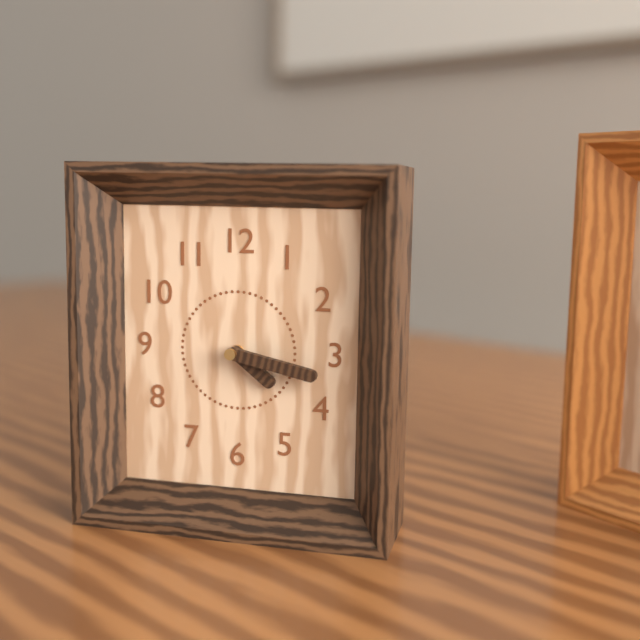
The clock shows h=4 m=17
